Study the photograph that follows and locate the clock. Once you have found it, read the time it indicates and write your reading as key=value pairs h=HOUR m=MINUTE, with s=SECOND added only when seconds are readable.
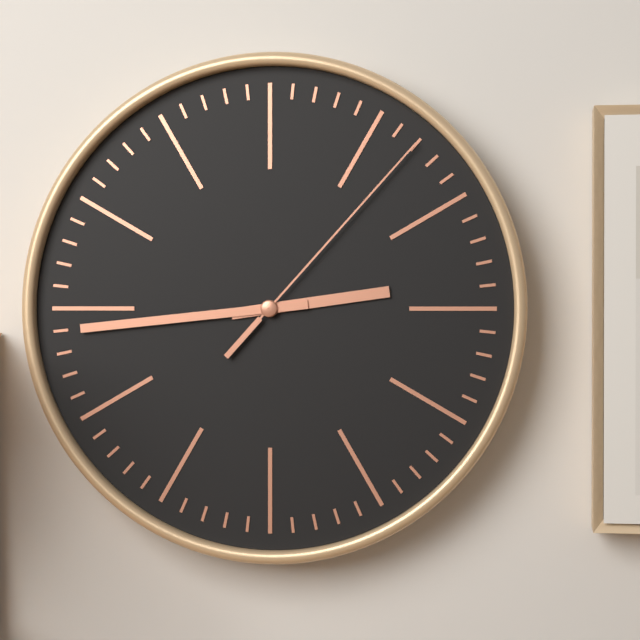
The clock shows h=2 m=44 s=7
